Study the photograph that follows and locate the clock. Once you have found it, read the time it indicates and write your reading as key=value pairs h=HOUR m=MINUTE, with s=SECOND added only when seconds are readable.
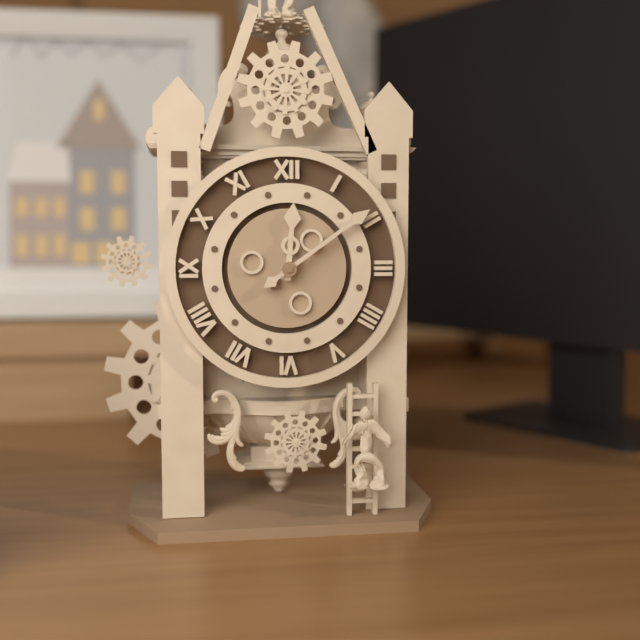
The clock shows h=12 m=9
